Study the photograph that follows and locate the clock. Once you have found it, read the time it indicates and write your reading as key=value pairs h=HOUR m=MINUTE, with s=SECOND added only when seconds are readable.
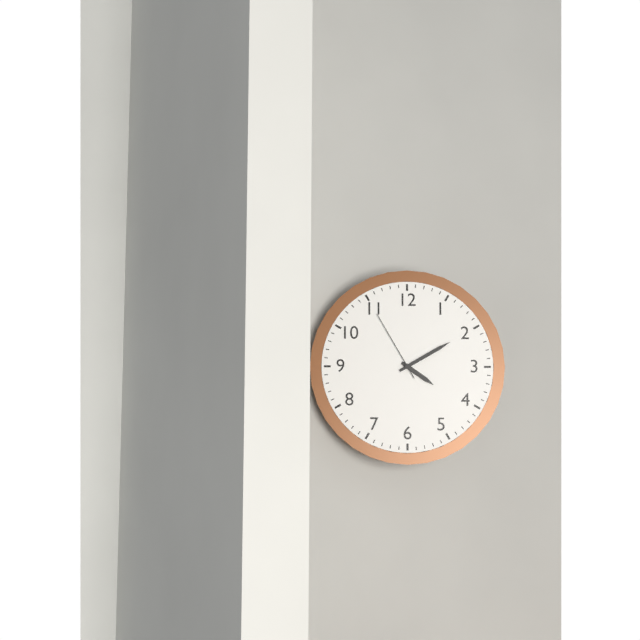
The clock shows h=4 m=10 s=55
